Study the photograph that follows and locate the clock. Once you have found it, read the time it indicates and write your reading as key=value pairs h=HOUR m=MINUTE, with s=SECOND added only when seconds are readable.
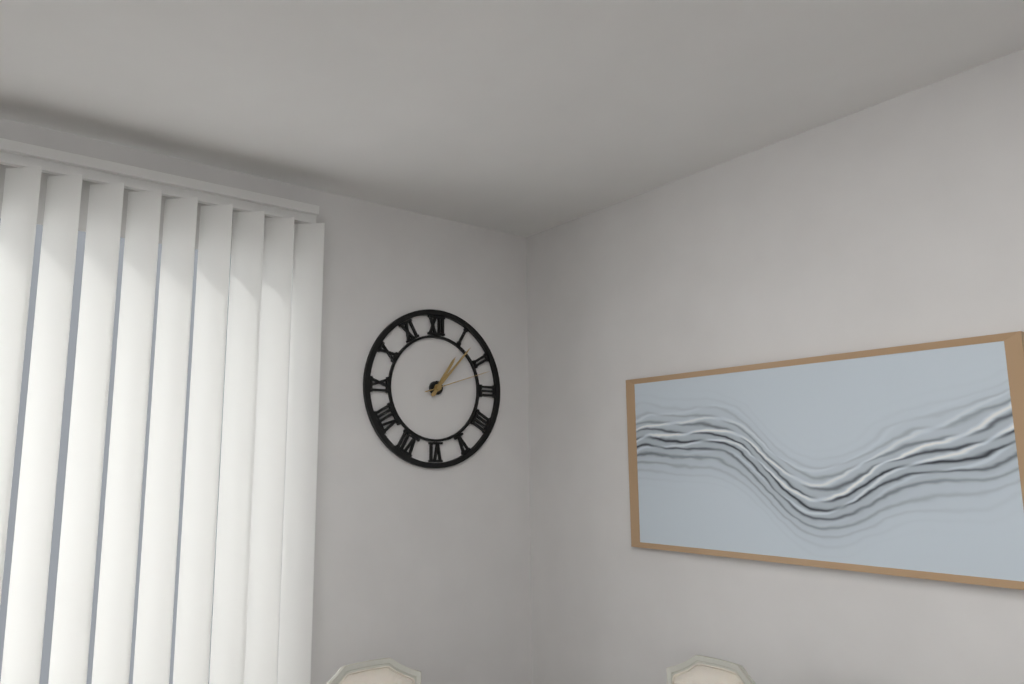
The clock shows h=1 m=7 s=12
